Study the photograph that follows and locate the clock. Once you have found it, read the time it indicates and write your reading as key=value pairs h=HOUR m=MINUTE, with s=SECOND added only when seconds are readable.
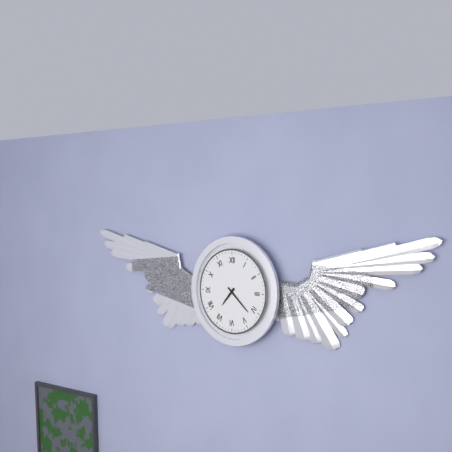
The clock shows h=7 m=22
